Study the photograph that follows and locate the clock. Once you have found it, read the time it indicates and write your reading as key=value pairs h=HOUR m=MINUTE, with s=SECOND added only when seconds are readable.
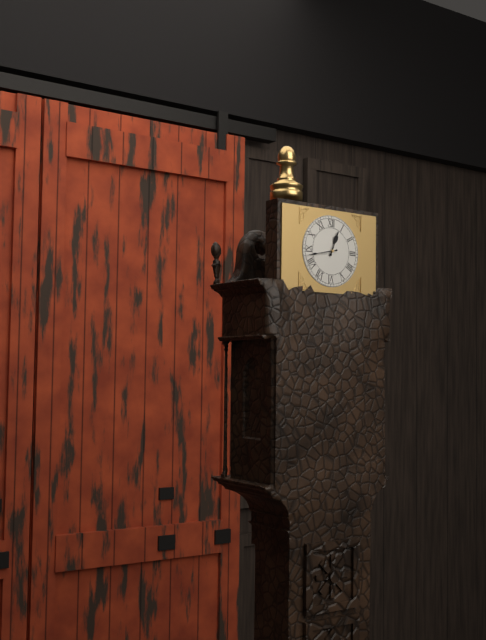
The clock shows h=12 m=43
